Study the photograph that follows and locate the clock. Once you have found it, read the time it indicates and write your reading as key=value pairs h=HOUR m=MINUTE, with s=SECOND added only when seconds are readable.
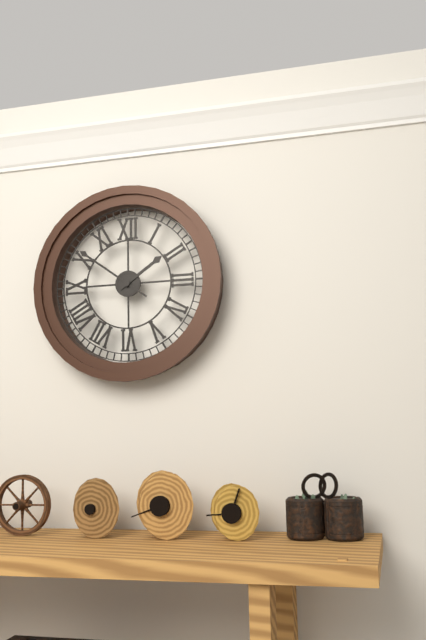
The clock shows h=1 m=51
